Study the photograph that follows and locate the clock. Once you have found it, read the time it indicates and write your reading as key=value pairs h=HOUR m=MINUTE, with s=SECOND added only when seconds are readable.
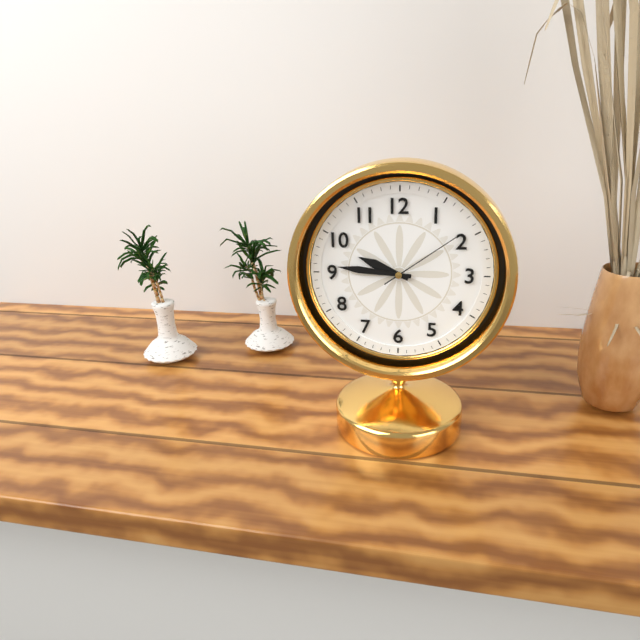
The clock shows h=9 m=46 s=9
